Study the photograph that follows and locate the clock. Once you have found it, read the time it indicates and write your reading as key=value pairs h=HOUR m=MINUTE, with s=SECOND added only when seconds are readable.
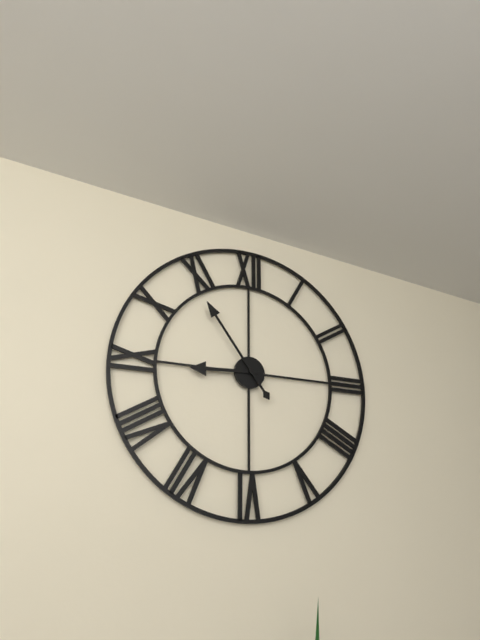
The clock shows h=8 m=54
